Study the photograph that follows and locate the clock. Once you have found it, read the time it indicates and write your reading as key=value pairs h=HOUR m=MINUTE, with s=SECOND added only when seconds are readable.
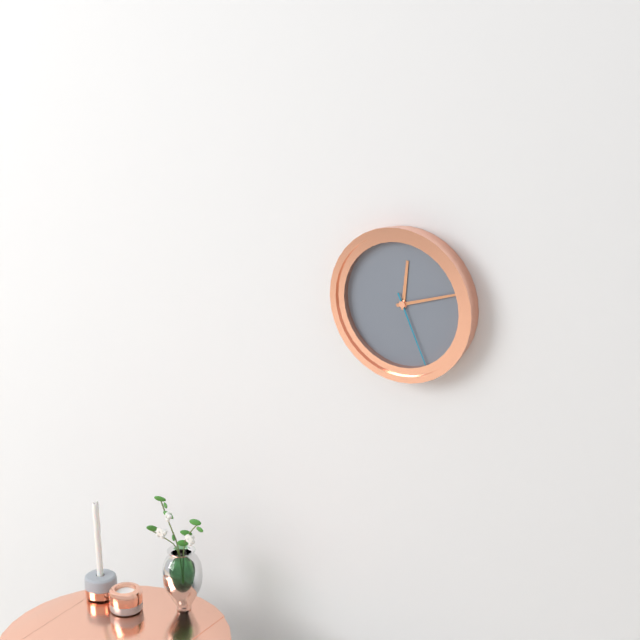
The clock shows h=12 m=12 s=26
